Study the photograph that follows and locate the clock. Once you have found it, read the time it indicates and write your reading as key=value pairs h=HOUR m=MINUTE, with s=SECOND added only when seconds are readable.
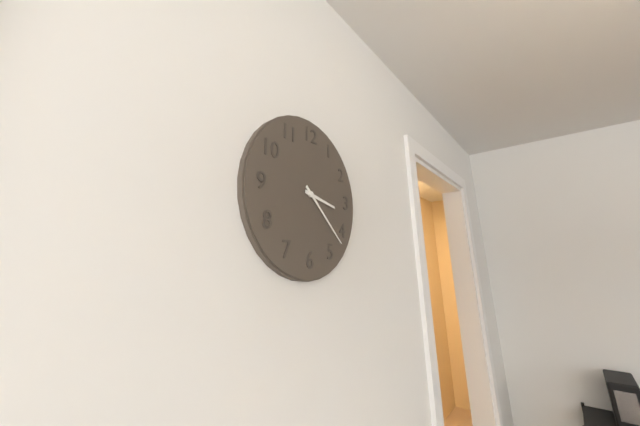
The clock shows h=3 m=22
